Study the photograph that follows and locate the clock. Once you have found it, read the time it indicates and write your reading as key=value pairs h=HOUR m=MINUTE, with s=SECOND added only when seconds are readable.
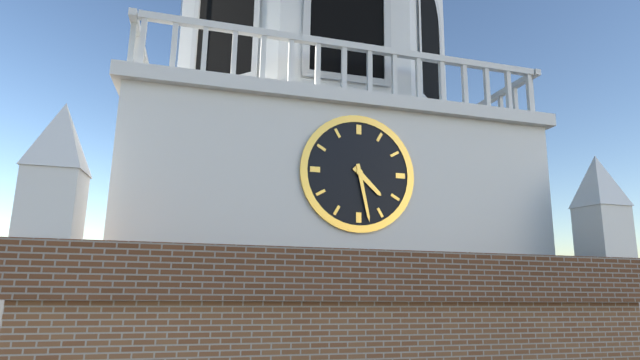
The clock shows h=4 m=28
